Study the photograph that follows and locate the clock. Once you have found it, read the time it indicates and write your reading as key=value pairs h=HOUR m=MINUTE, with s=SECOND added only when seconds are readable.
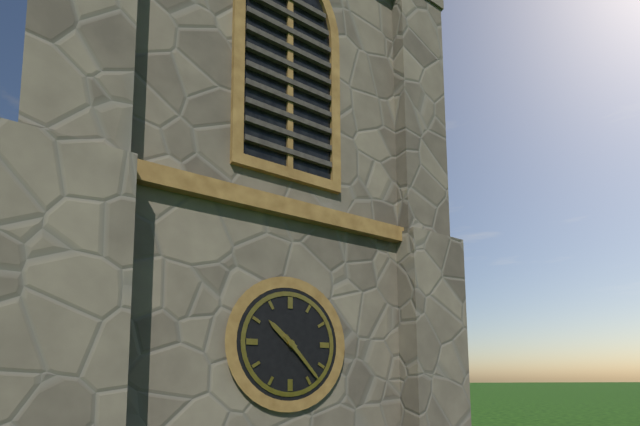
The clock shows h=10 m=23
